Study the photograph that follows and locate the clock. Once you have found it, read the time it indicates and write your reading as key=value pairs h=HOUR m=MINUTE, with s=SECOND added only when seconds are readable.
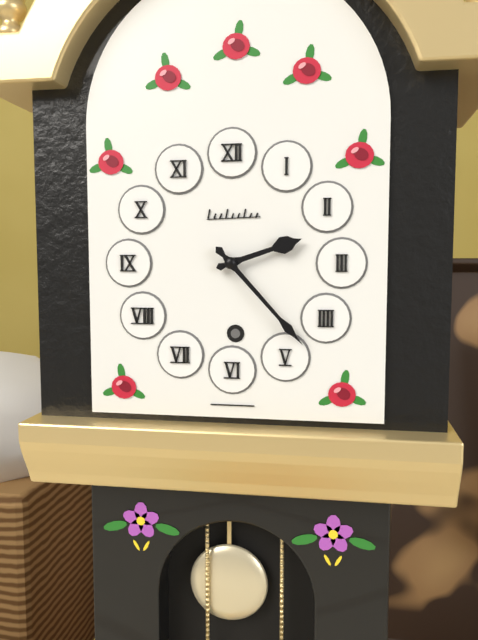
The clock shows h=2 m=23
